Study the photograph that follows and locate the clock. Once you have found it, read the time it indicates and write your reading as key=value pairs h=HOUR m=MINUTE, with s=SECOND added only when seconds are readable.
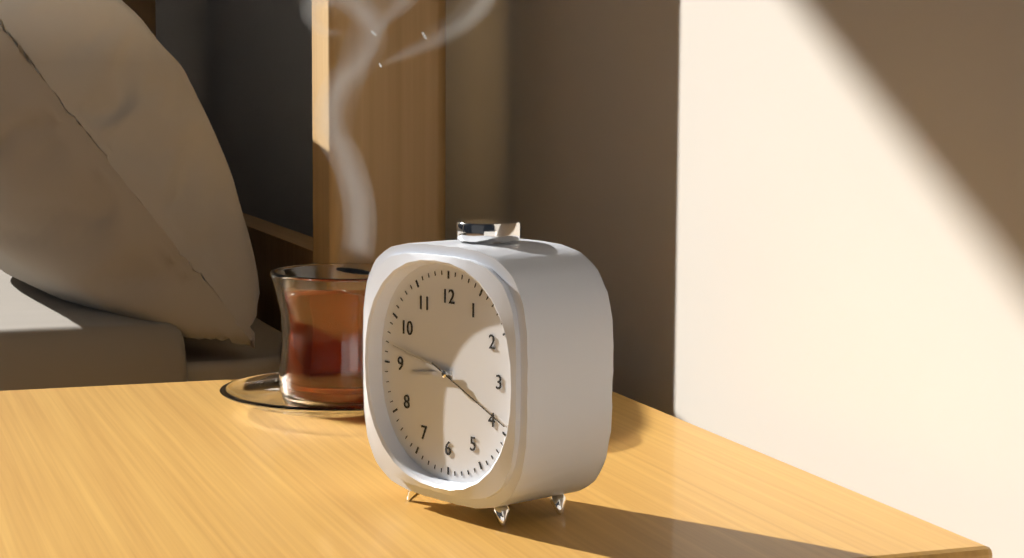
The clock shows h=8 m=47 s=19
